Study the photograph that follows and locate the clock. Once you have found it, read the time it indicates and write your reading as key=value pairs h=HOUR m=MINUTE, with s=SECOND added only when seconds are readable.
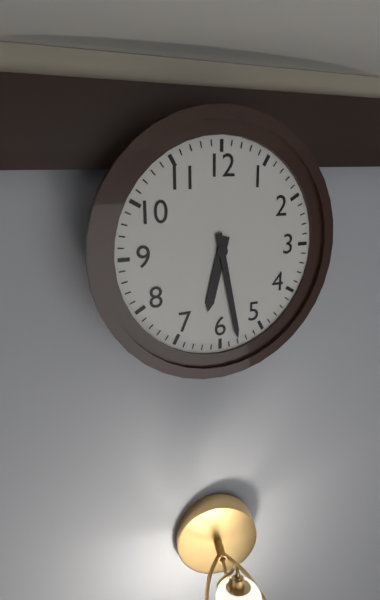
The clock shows h=6 m=28
